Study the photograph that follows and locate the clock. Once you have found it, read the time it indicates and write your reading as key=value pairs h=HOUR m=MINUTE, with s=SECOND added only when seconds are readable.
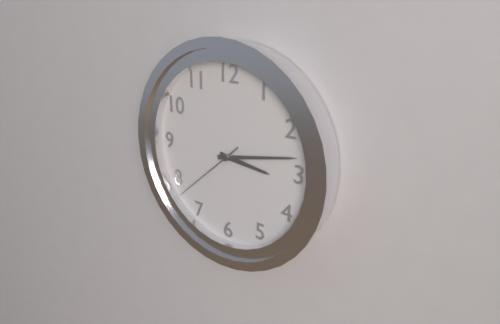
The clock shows h=3 m=13 s=38
